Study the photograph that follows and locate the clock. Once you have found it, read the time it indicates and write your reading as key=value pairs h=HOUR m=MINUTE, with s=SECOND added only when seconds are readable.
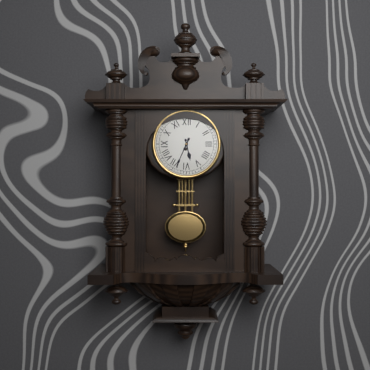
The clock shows h=5 m=34
